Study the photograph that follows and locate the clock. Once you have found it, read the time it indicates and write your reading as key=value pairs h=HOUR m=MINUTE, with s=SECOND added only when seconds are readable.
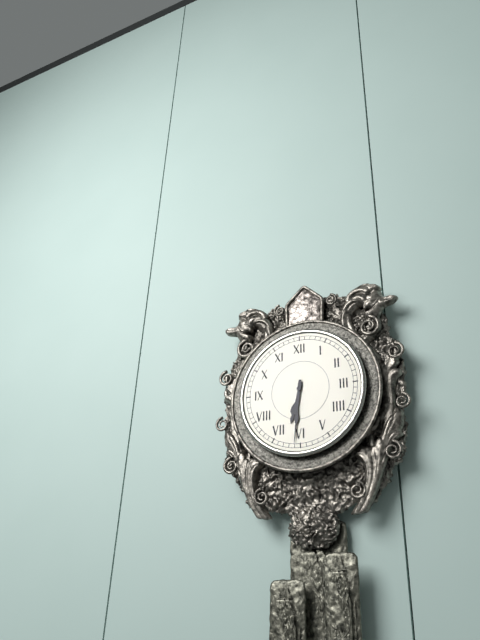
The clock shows h=6 m=31
